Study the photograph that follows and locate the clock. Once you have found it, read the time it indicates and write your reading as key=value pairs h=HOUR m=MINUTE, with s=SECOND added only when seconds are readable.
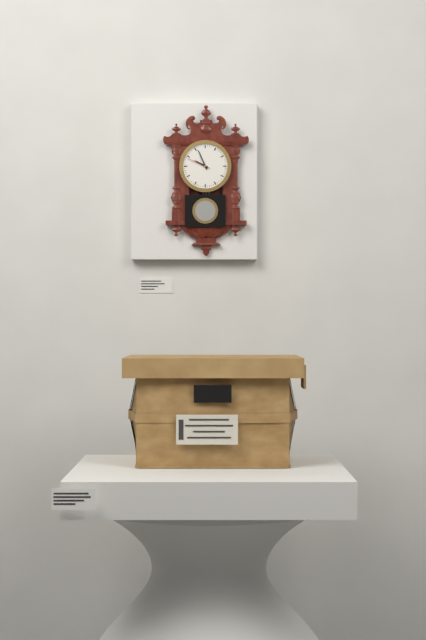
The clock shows h=9 m=56
